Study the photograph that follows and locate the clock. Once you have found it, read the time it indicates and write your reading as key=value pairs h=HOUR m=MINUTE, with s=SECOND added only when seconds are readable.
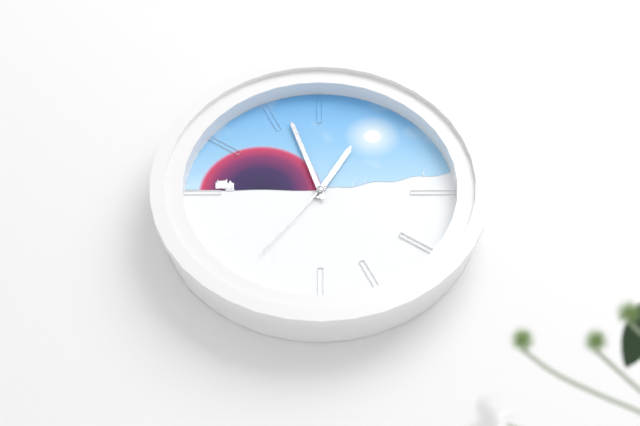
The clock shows h=12 m=57 s=36
